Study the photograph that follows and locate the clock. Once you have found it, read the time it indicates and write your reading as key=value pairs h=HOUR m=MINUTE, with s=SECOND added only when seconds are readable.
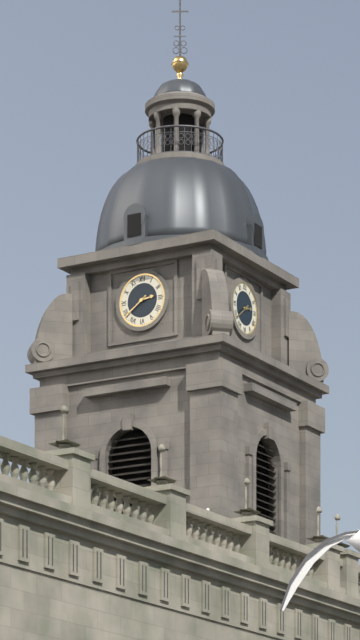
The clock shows h=2 m=39
